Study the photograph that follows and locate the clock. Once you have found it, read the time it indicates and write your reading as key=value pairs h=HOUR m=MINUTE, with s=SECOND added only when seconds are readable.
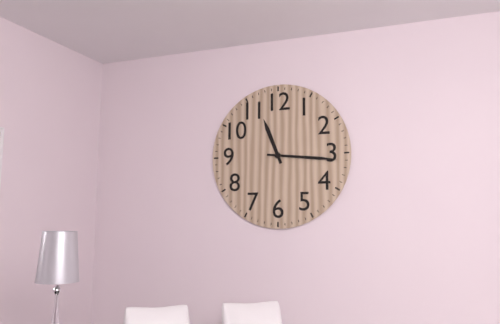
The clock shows h=11 m=16
